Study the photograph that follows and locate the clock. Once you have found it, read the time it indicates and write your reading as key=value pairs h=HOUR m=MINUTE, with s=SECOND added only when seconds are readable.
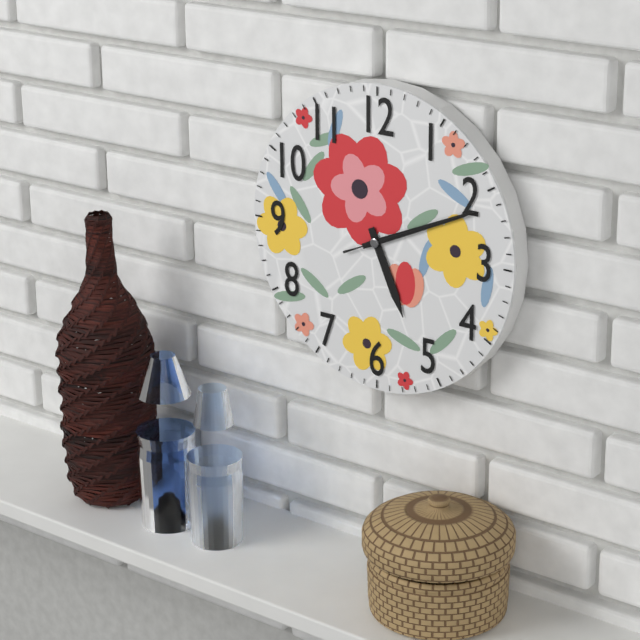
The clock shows h=5 m=11 s=11
